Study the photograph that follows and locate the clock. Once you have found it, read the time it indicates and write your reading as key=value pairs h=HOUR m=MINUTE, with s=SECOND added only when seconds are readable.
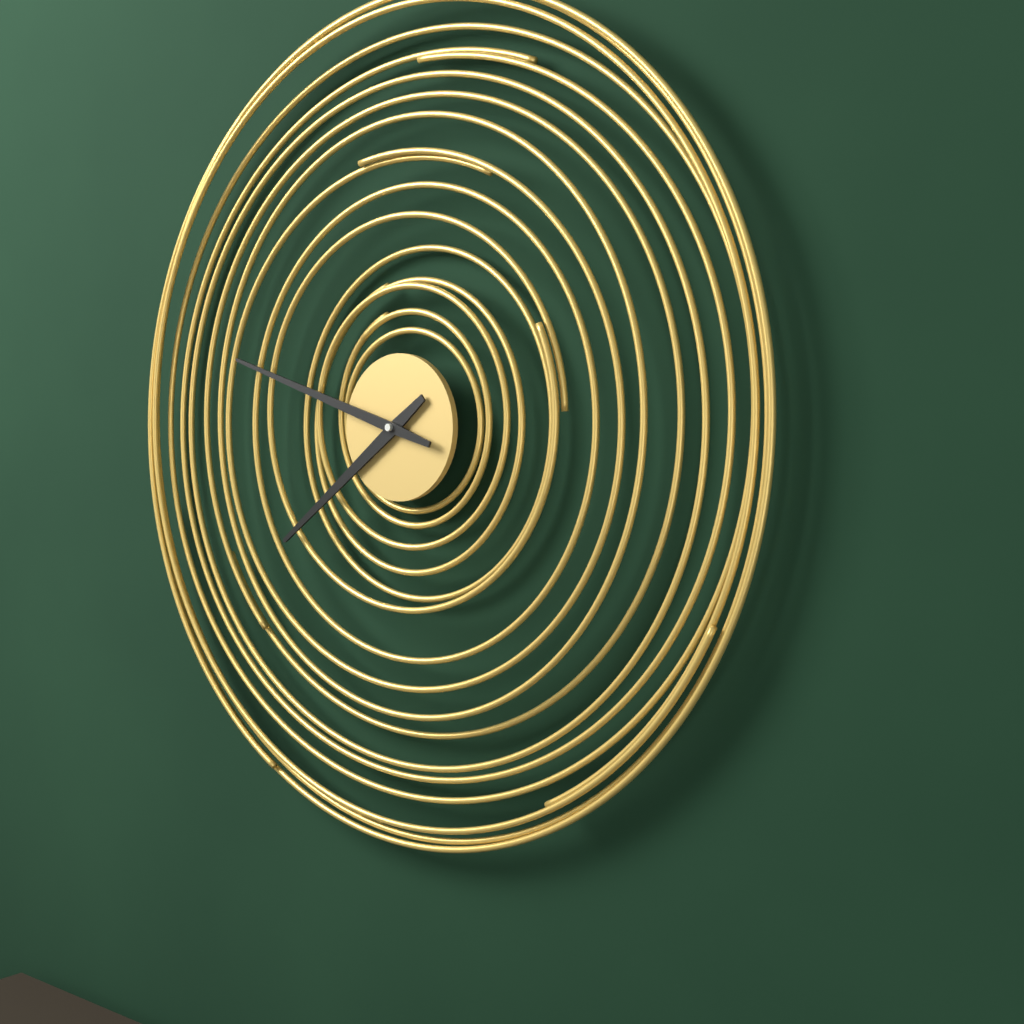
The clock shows h=7 m=48
